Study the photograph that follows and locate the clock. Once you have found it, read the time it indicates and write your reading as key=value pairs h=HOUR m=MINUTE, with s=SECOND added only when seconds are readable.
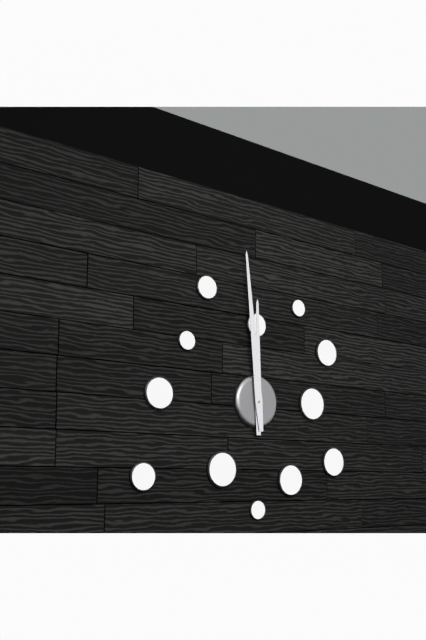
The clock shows h=11 m=59
